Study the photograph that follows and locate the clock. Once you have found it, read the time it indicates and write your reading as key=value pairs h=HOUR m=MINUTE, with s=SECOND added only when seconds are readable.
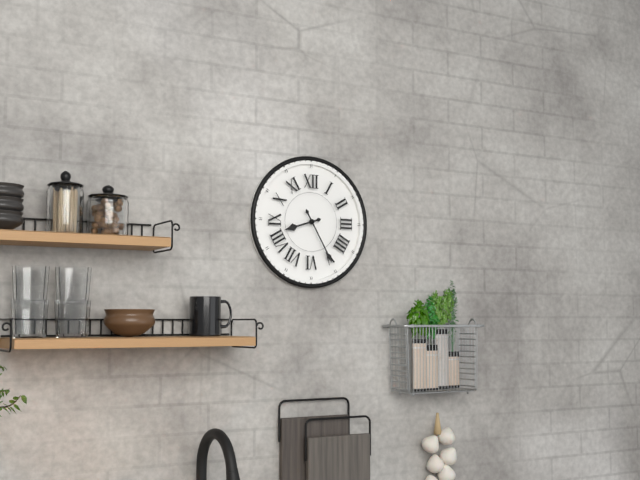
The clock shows h=8 m=25
